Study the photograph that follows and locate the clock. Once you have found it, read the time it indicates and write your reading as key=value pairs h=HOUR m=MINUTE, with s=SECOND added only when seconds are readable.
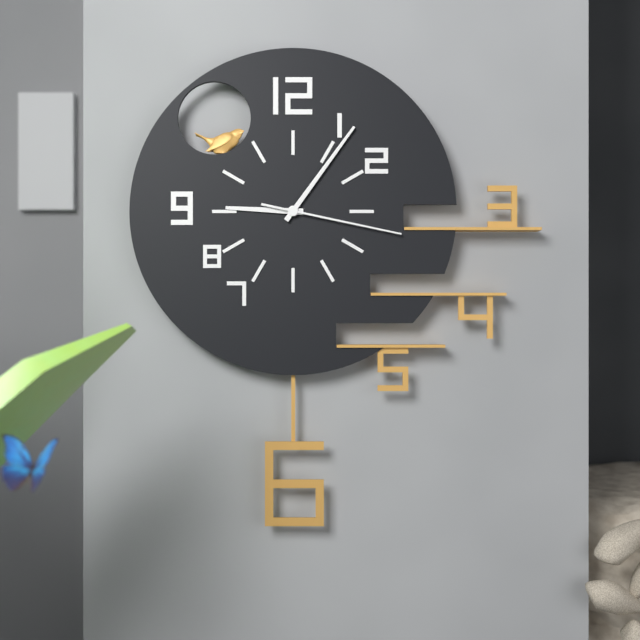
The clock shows h=9 m=6 s=17
